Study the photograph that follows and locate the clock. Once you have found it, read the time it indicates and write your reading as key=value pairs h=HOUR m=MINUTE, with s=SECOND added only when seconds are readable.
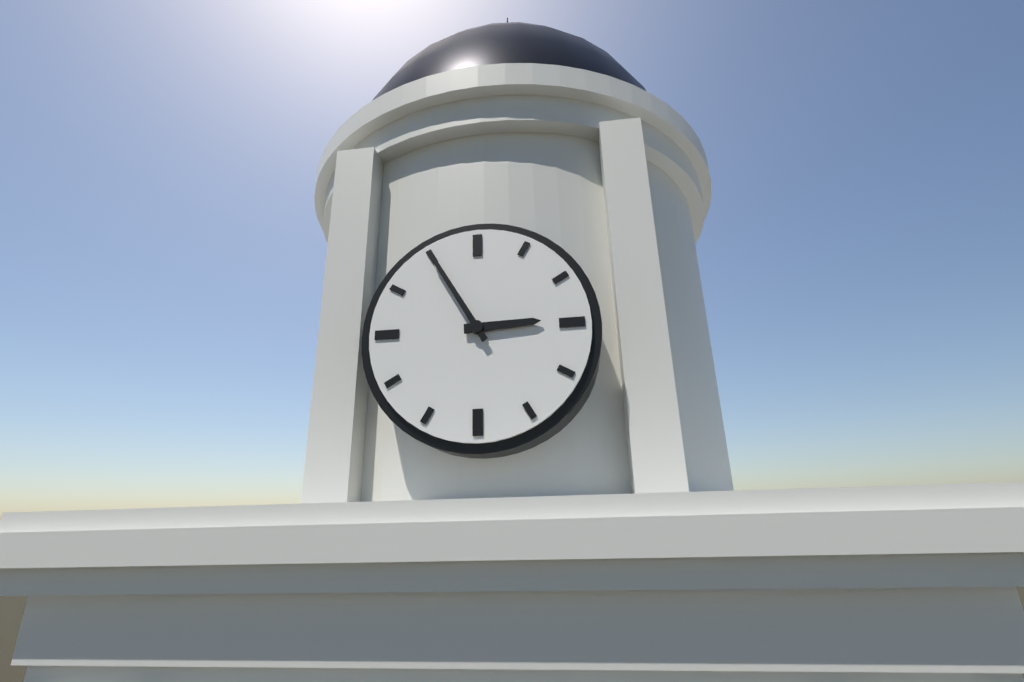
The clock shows h=2 m=55
